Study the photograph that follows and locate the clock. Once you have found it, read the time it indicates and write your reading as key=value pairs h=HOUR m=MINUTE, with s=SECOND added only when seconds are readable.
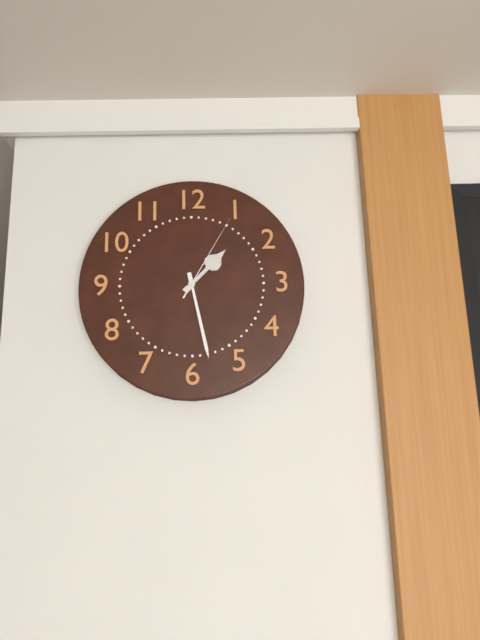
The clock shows h=1 m=28 s=5
